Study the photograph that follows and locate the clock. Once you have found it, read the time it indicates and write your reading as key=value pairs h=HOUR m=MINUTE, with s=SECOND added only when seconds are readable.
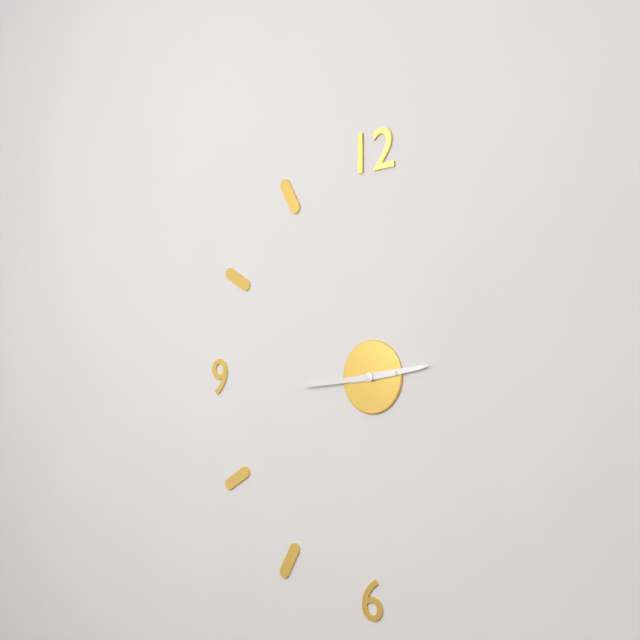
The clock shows h=2 m=44
